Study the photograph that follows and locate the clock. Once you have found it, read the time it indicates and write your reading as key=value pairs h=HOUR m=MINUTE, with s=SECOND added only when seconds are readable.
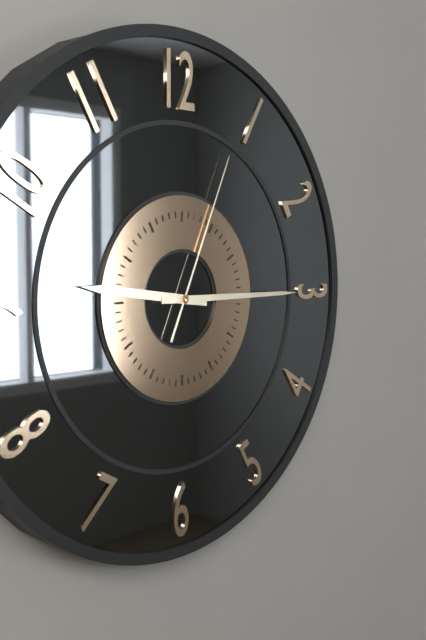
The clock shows h=9 m=15 s=4
